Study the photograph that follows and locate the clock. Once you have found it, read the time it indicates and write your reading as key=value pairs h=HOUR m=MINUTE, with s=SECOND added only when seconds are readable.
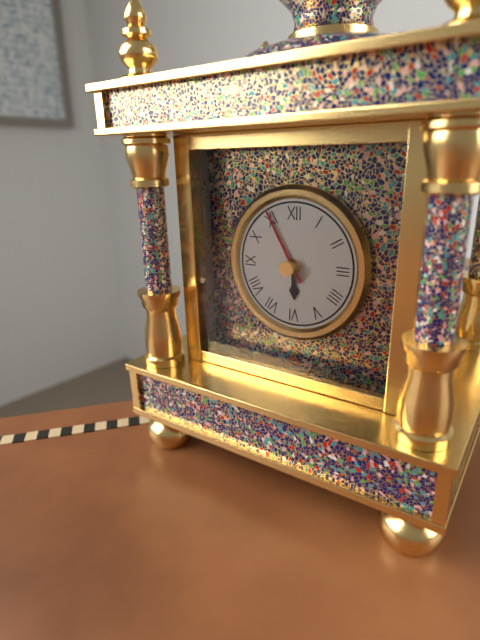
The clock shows h=5 m=55
